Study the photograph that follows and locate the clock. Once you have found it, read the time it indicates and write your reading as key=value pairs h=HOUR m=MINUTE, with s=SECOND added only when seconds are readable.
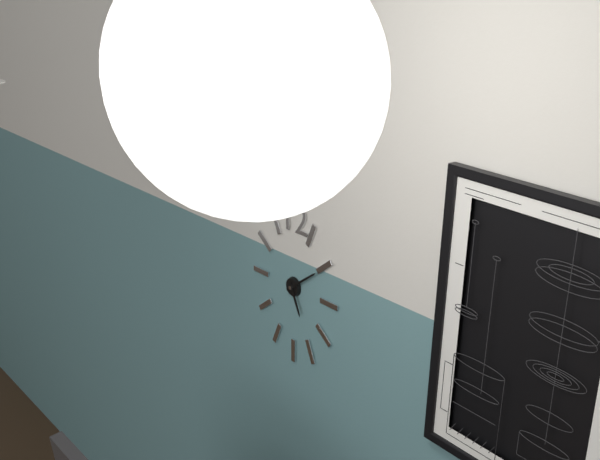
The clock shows h=5 m=9
